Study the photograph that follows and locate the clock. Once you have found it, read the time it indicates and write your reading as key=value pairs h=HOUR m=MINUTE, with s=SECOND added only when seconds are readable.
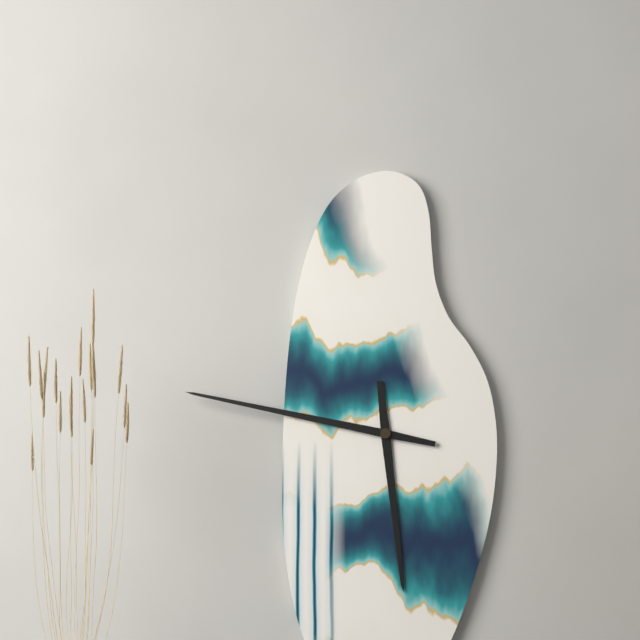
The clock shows h=5 m=47
